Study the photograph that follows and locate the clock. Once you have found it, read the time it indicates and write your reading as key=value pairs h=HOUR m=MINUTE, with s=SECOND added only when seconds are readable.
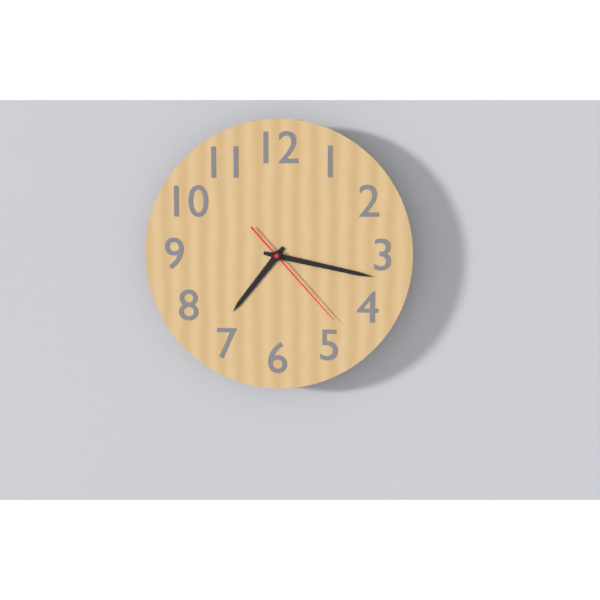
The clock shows h=7 m=17 s=23
